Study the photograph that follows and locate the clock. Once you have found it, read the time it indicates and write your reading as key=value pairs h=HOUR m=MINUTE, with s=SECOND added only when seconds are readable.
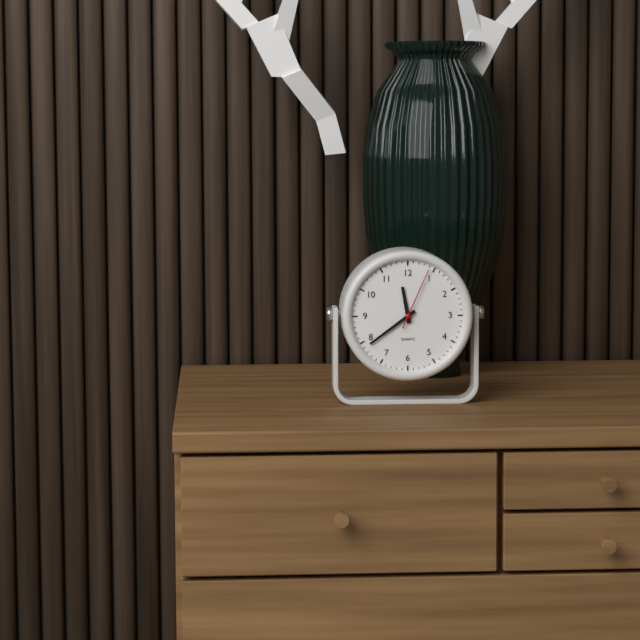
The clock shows h=11 m=39 s=4
